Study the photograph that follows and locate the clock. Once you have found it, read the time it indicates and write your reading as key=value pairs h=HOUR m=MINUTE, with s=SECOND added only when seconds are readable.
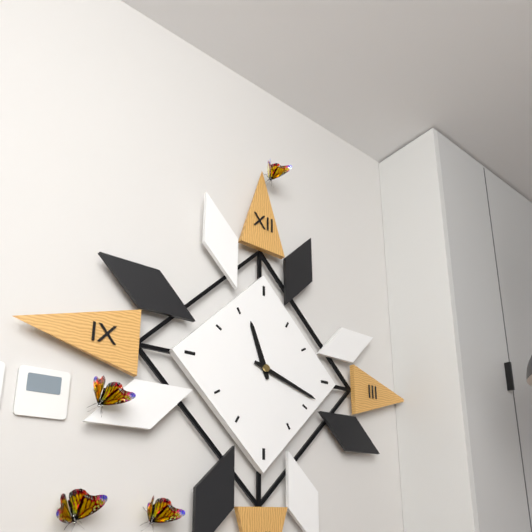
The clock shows h=11 m=18
